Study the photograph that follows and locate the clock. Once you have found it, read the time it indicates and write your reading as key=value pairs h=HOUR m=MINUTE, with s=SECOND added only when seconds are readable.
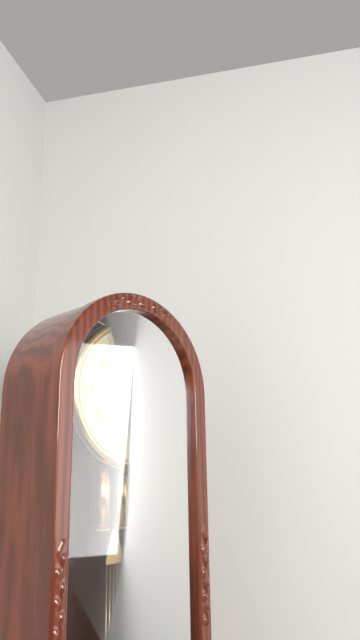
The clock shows h=1 m=51
